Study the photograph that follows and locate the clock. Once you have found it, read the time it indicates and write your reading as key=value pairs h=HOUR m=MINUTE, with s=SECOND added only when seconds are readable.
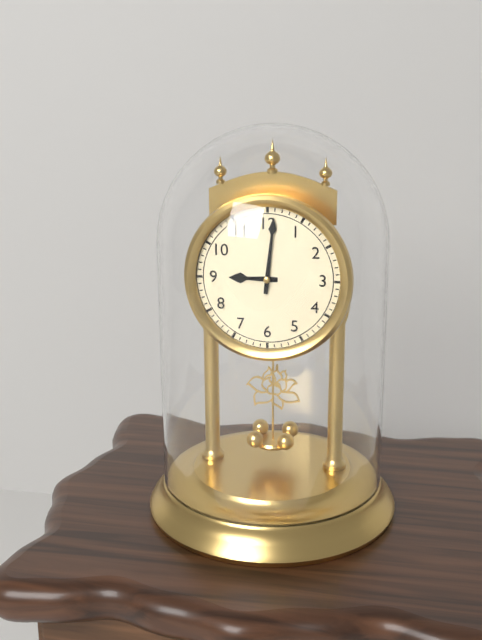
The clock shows h=9 m=1
